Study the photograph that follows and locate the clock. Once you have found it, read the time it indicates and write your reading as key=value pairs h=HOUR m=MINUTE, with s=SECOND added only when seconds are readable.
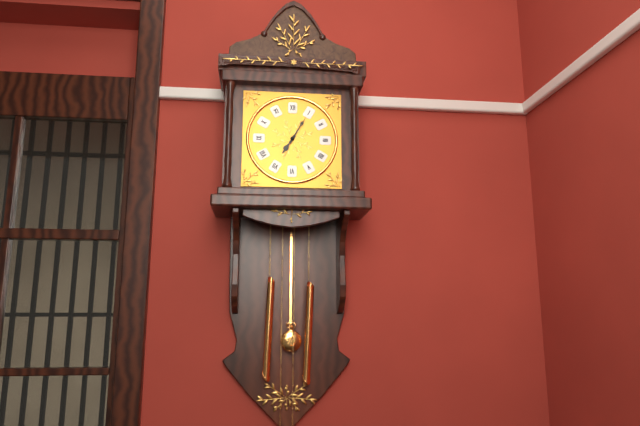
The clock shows h=7 m=5
